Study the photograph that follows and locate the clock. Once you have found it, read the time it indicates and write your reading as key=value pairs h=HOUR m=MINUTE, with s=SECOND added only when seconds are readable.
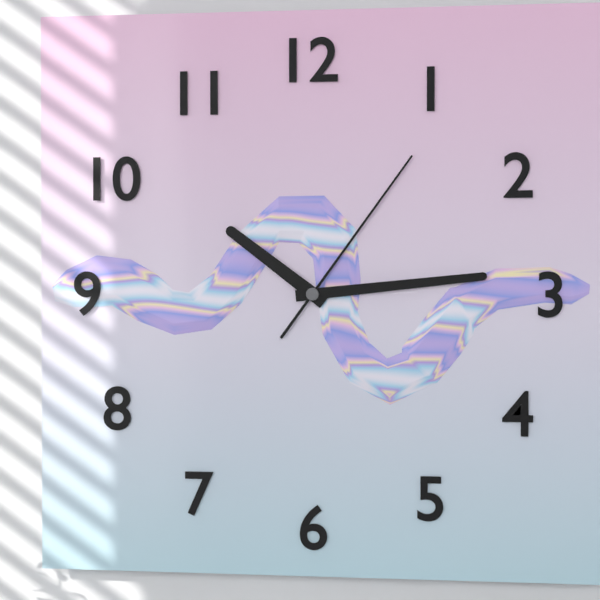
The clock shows h=10 m=14 s=6
